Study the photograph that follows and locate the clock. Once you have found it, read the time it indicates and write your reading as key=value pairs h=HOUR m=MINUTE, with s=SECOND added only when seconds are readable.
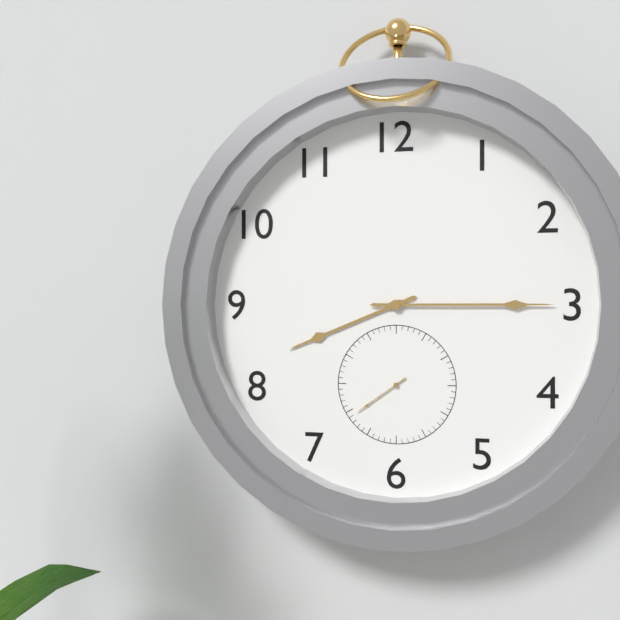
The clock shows h=8 m=15 s=39
